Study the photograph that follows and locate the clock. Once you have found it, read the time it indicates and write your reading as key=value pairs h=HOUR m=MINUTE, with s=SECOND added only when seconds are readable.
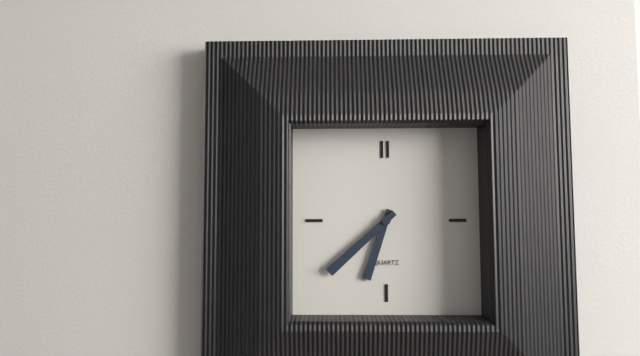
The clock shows h=6 m=38
